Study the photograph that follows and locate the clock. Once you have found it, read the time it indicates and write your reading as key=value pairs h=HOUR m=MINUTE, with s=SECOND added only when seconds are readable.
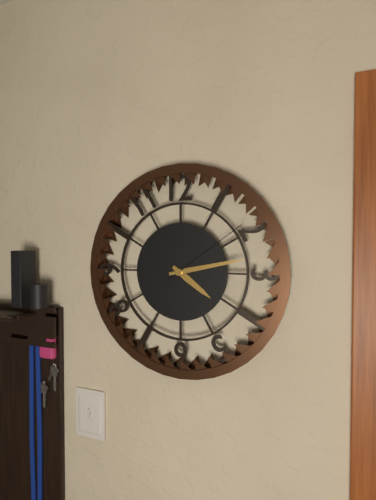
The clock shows h=4 m=13 s=9
